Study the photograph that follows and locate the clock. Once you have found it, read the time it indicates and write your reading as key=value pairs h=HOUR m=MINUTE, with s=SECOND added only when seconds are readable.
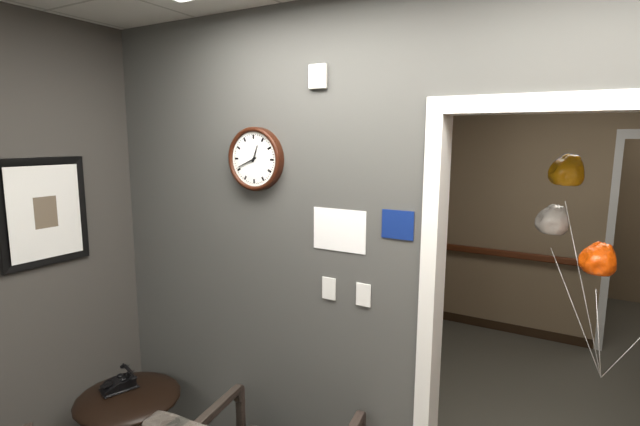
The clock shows h=12 m=41
